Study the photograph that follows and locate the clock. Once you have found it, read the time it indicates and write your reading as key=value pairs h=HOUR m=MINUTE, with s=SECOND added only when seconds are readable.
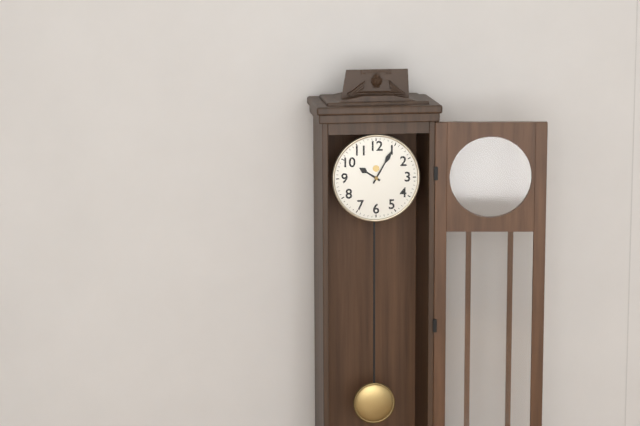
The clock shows h=10 m=5
